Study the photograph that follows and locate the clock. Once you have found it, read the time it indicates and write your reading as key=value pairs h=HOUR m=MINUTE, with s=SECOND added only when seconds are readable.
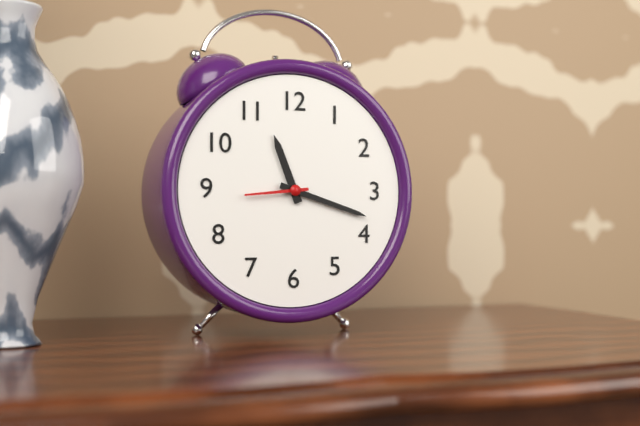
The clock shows h=11 m=18 s=44
